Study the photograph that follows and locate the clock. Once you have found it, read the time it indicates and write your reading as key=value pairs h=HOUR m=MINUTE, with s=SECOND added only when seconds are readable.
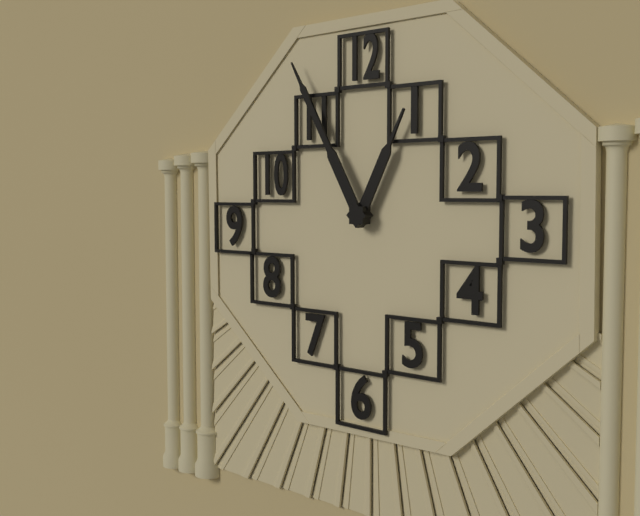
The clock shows h=12 m=55
